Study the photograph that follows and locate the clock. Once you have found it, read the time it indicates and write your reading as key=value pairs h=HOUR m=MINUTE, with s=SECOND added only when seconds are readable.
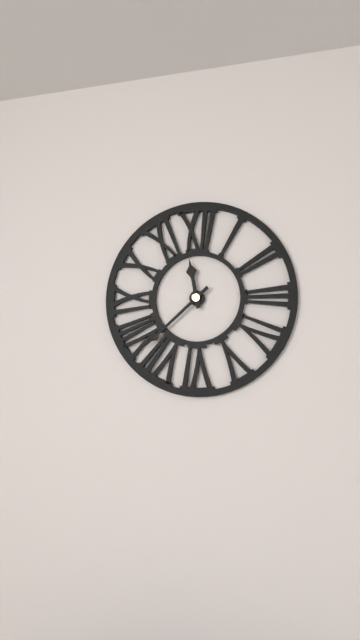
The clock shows h=11 m=38
